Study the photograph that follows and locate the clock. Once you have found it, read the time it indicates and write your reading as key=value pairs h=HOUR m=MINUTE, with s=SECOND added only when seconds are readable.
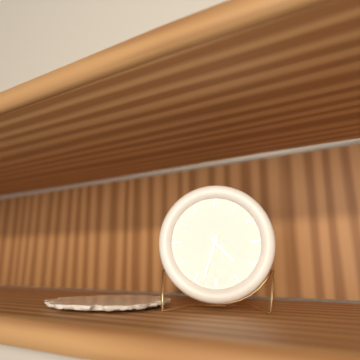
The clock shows h=4 m=33
